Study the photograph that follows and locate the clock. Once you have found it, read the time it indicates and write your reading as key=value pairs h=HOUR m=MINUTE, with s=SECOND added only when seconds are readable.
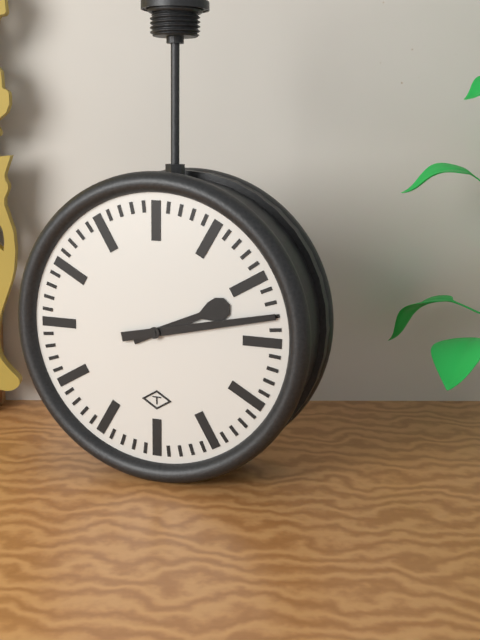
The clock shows h=2 m=13
